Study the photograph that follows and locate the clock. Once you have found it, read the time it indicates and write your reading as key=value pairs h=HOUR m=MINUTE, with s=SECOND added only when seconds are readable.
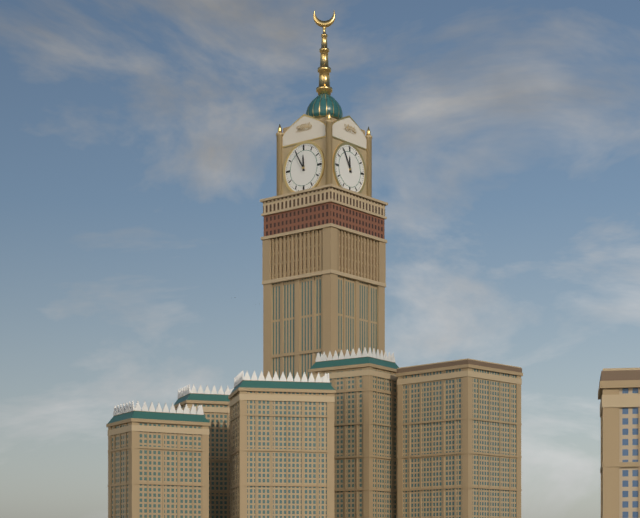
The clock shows h=11 m=55
